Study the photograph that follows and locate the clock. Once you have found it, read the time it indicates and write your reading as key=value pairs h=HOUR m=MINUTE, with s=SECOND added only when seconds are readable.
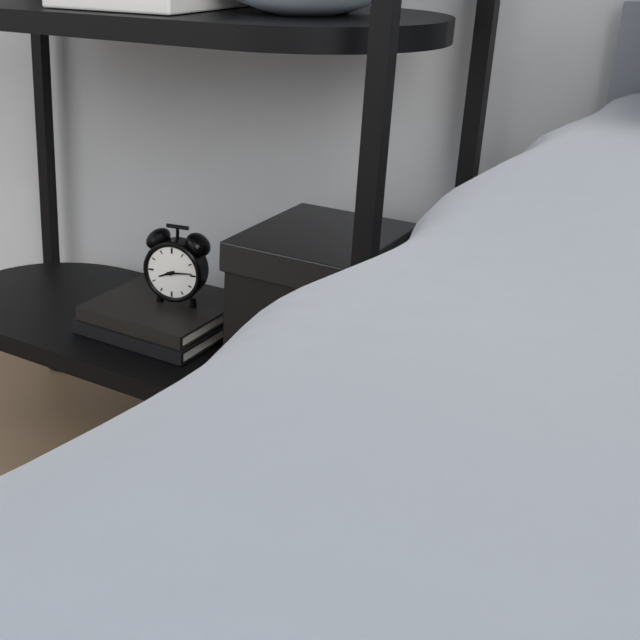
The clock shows h=8 m=14
